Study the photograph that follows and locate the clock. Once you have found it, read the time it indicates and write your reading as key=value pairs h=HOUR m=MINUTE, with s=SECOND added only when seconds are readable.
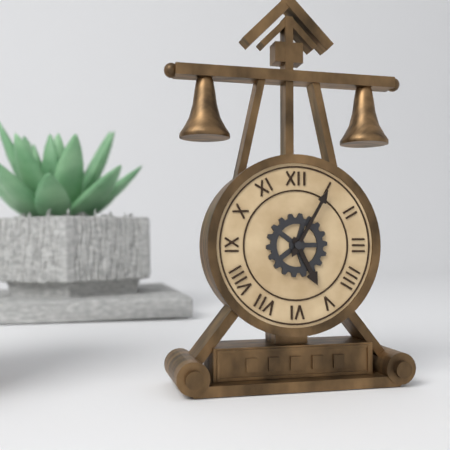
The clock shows h=5 m=5
